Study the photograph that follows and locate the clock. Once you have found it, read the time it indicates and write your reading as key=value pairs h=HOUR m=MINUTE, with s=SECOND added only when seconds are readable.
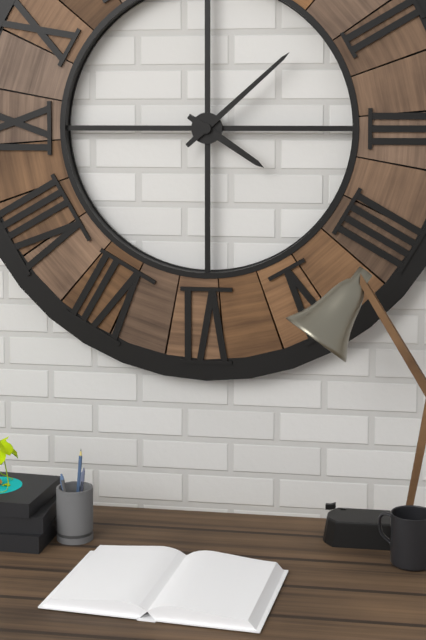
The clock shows h=4 m=8
